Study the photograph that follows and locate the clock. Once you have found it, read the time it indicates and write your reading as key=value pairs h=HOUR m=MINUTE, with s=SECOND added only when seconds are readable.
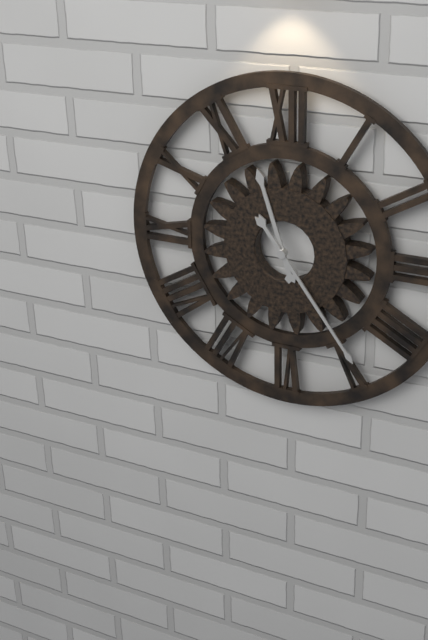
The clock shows h=11 m=24
